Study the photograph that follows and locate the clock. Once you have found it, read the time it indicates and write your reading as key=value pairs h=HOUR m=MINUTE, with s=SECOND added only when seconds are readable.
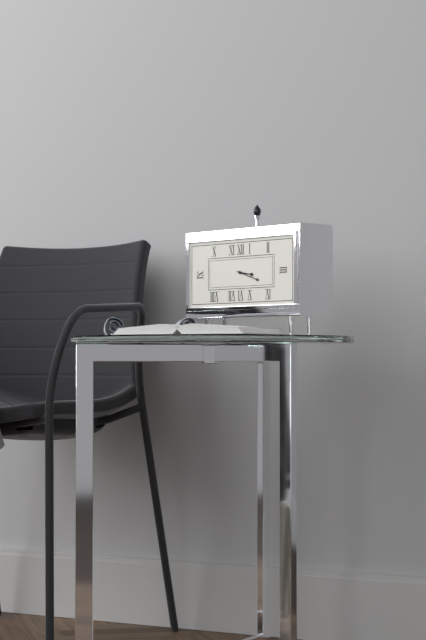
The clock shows h=3 m=18
